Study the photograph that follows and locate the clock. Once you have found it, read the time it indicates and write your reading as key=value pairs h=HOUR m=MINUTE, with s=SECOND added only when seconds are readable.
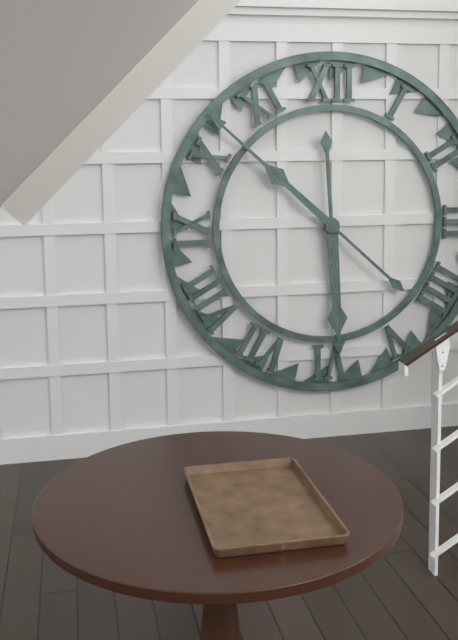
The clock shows h=5 m=52
